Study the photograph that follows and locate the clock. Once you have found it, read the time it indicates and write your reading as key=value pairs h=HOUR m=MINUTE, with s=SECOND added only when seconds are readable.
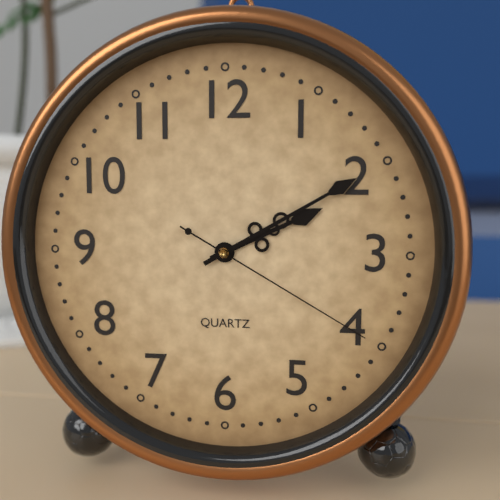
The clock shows h=2 m=10 s=20
